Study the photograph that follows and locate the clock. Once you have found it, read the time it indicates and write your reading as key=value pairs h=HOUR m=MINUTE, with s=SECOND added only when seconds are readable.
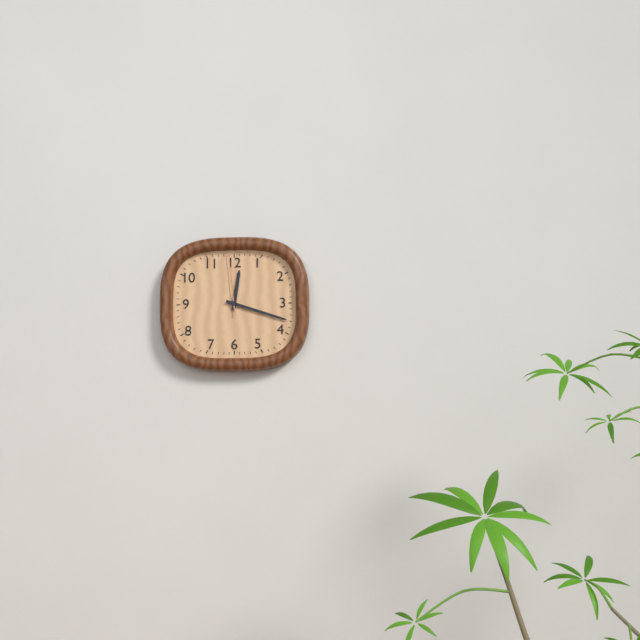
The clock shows h=12 m=18 s=59
